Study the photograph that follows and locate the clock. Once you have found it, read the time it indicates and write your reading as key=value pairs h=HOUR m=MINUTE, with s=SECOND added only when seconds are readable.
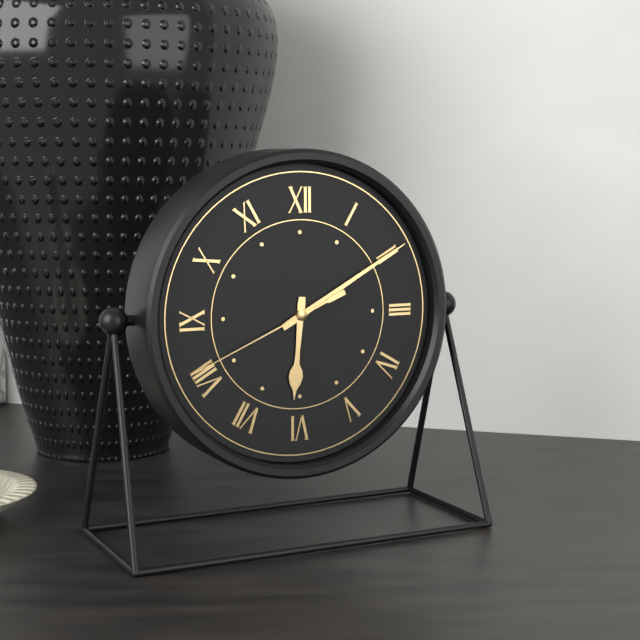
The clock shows h=6 m=10 s=41
